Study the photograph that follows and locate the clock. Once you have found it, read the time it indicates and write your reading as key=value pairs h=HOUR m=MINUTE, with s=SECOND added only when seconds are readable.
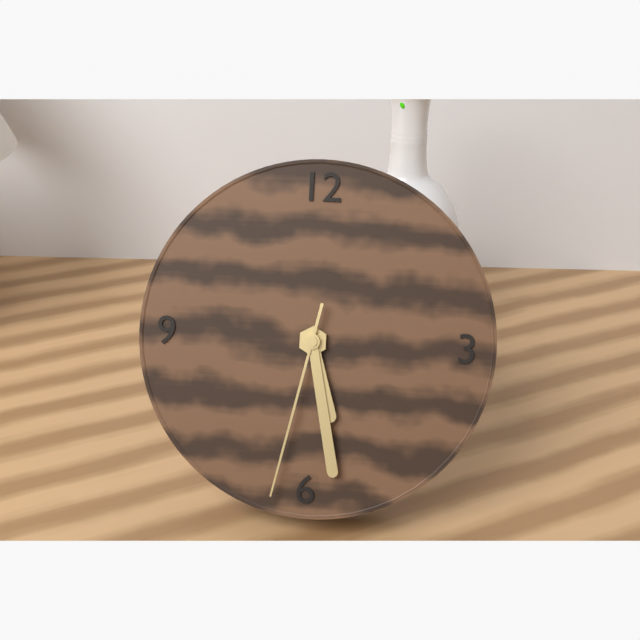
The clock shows h=5 m=28 s=32
